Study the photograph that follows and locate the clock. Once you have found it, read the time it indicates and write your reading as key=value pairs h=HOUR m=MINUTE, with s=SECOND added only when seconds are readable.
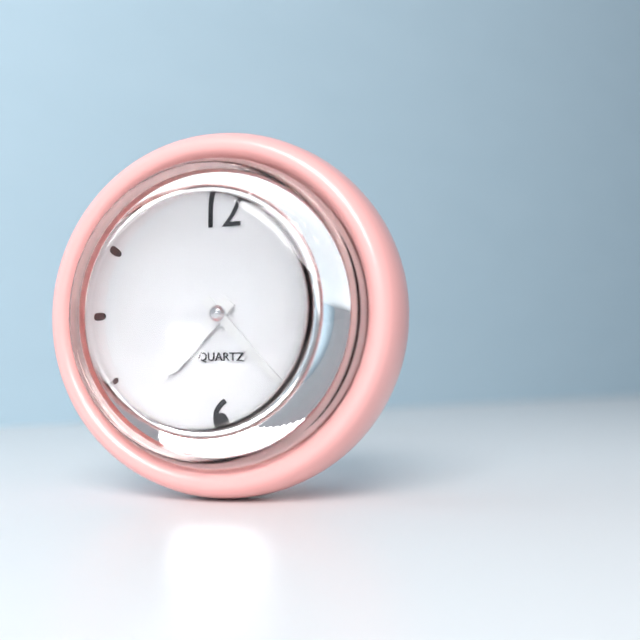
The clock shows h=7 m=23
